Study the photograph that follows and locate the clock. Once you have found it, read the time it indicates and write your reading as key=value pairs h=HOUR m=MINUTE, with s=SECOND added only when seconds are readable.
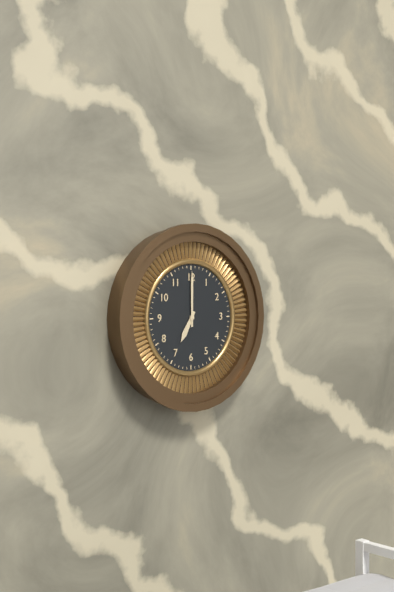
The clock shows h=7 m=0
